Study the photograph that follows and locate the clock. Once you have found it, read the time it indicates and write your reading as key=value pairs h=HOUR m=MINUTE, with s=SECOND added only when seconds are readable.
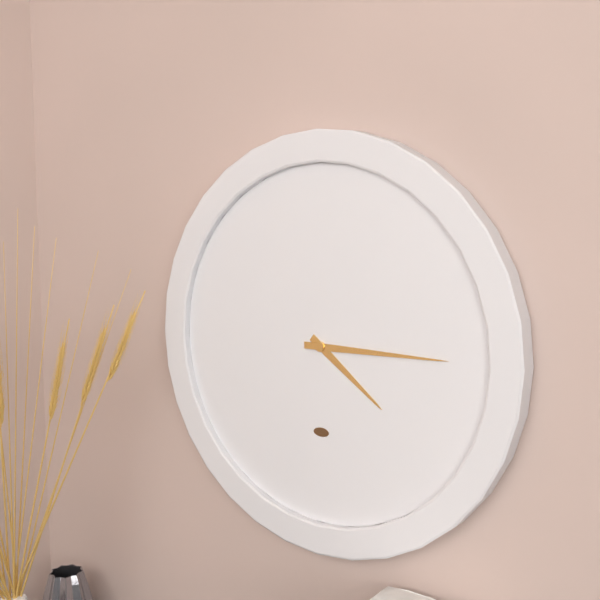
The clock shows h=4 m=15
